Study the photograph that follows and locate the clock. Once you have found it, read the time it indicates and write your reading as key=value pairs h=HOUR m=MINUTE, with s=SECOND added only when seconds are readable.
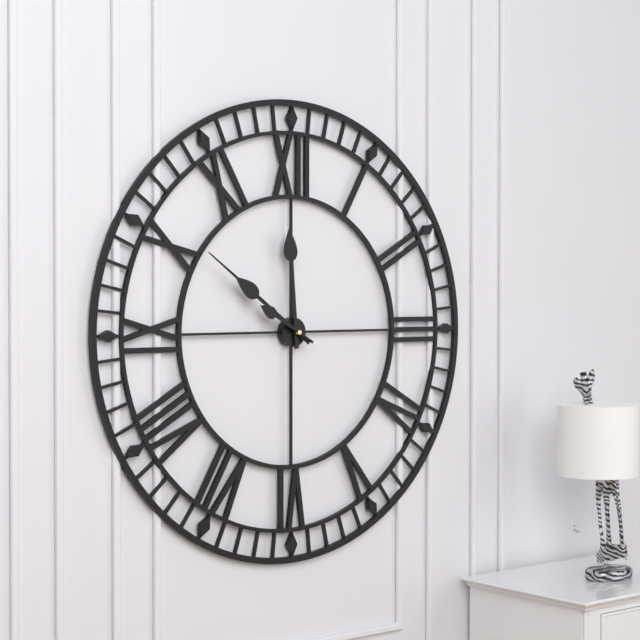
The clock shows h=11 m=51
